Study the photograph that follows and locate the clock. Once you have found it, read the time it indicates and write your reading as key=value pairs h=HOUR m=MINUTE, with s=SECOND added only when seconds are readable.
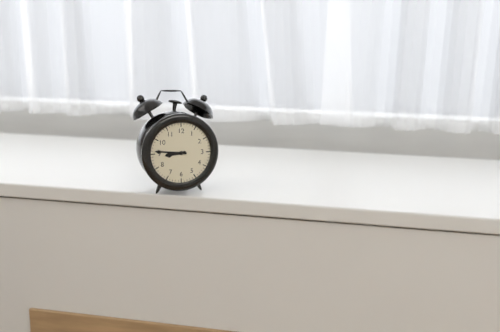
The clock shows h=8 m=46
